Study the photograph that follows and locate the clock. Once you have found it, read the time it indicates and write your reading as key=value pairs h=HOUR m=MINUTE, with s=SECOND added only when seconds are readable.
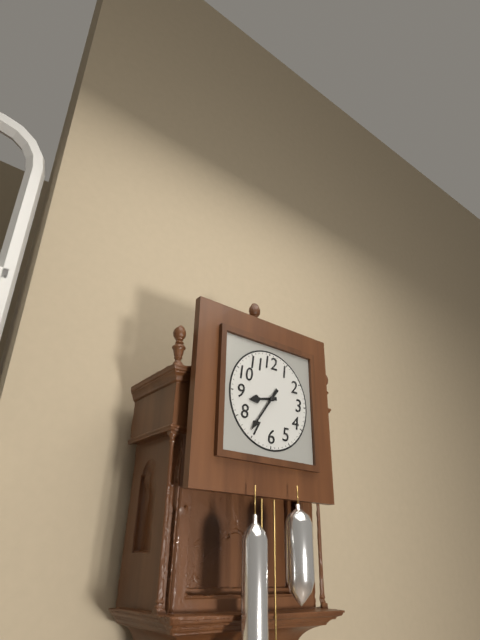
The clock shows h=8 m=36
